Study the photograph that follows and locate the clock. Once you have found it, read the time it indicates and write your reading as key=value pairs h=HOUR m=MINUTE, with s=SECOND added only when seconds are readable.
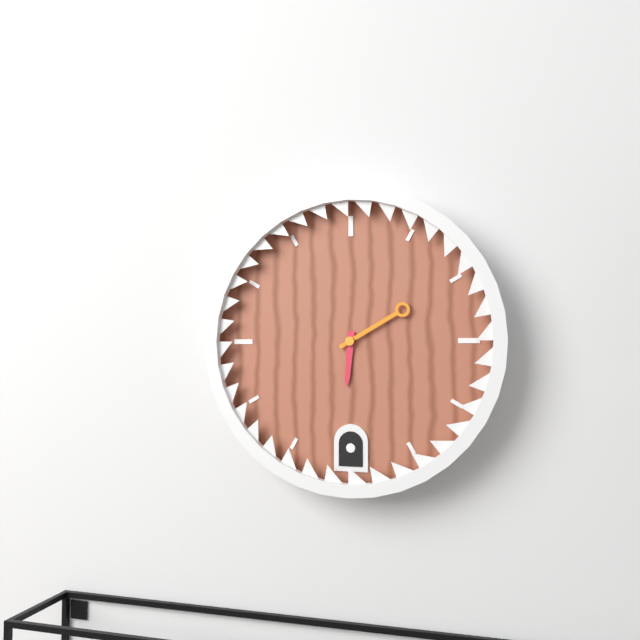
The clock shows h=6 m=10
